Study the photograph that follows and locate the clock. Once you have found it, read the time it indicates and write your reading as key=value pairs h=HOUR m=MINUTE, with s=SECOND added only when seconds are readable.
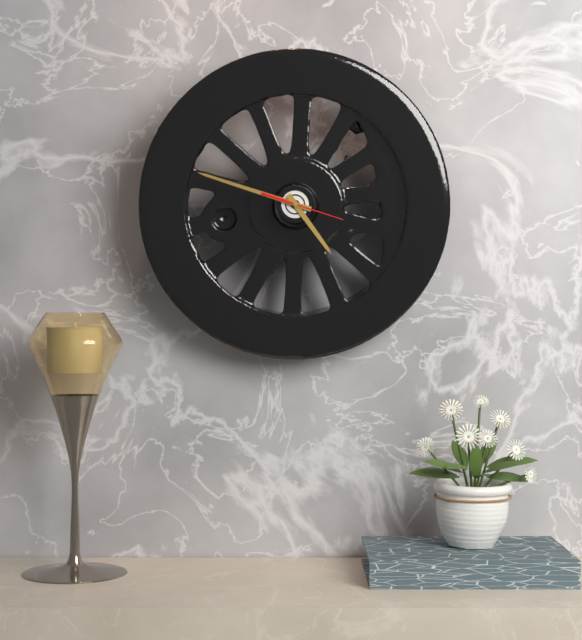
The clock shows h=4 m=48 s=18
